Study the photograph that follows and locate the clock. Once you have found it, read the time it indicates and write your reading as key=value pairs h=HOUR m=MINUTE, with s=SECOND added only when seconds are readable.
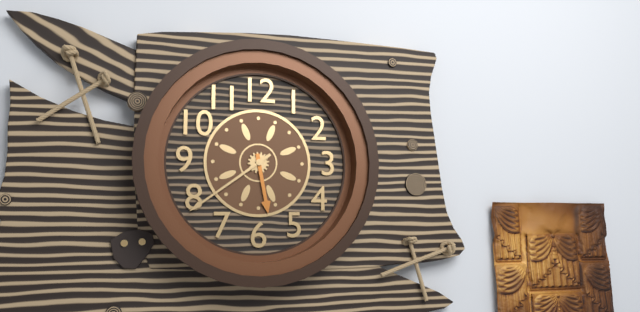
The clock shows h=5 m=39
